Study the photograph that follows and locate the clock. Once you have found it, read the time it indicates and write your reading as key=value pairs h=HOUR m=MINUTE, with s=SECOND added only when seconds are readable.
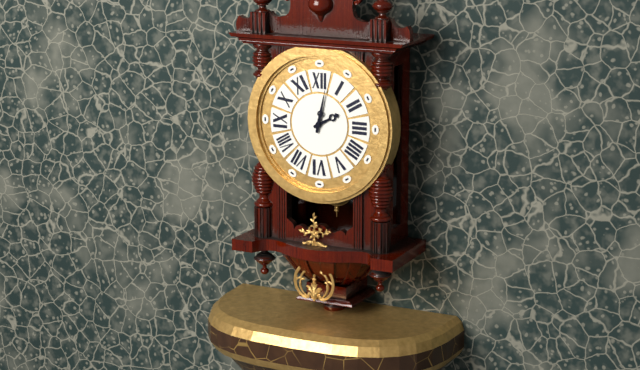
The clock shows h=2 m=2
